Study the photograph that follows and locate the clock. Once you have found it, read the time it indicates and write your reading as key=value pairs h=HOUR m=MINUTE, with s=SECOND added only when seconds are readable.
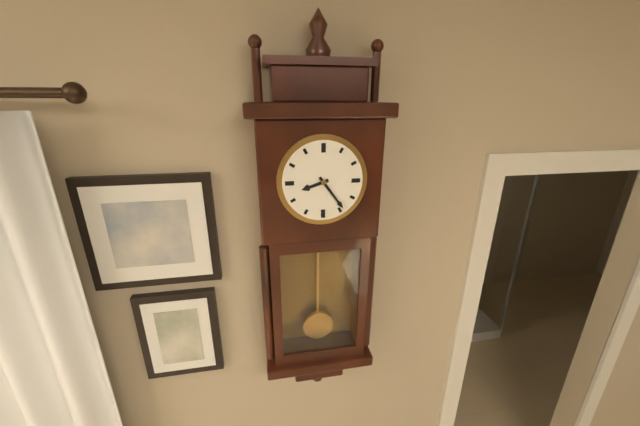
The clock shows h=8 m=24
